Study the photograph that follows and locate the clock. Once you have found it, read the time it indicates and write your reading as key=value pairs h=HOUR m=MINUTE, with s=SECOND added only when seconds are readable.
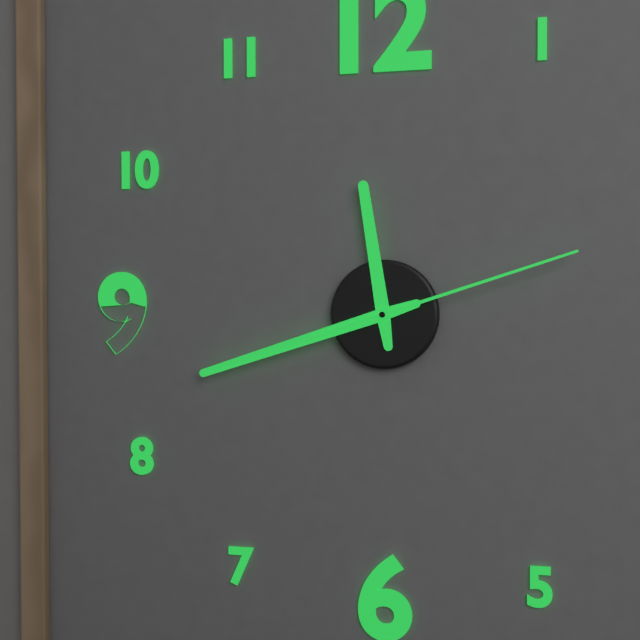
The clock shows h=11 m=42 s=12
